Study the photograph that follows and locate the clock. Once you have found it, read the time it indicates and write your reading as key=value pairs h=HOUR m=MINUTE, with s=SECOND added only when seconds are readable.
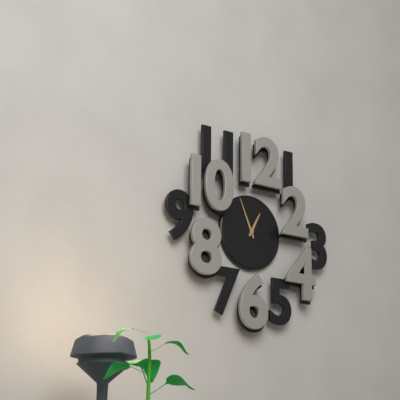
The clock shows h=12 m=56
